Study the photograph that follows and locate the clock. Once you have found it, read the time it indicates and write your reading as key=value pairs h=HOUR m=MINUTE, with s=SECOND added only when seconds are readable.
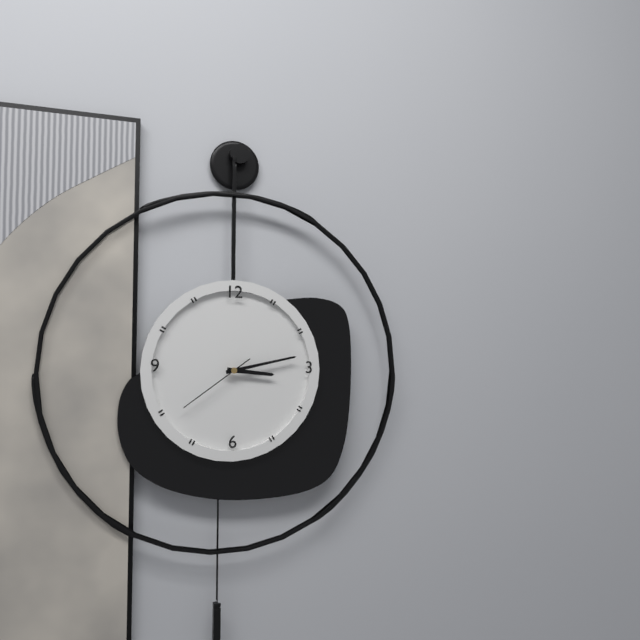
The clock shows h=3 m=13 s=39
